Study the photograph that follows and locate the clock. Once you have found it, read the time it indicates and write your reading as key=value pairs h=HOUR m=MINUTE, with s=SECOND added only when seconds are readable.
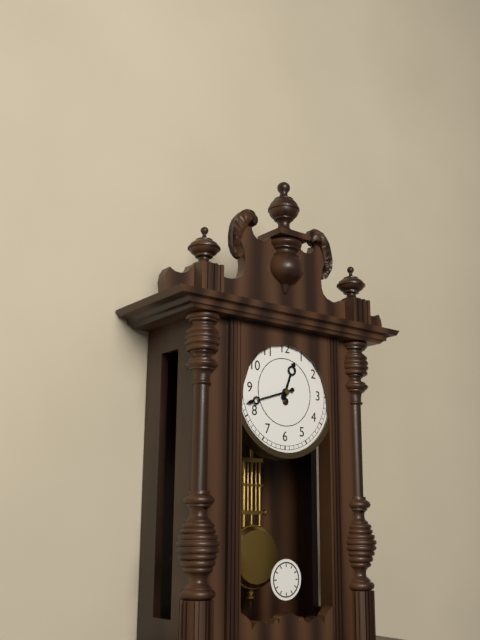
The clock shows h=12 m=42
